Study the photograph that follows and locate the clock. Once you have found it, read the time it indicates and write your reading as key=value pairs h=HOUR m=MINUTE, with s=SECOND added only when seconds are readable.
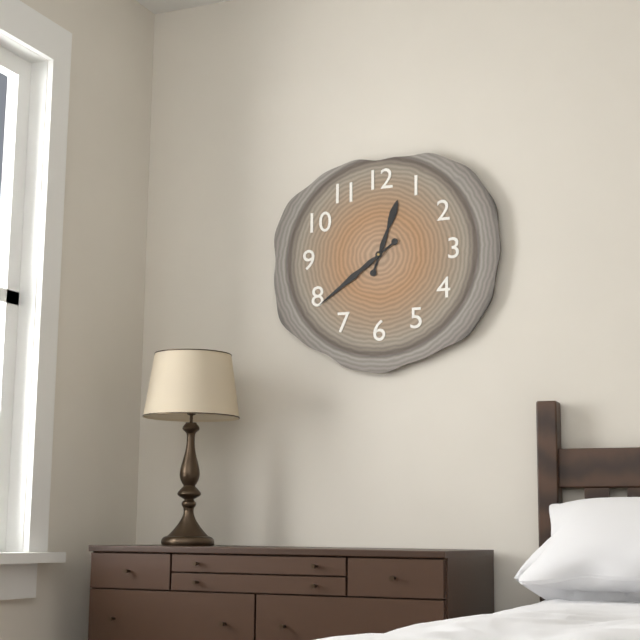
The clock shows h=12 m=39
